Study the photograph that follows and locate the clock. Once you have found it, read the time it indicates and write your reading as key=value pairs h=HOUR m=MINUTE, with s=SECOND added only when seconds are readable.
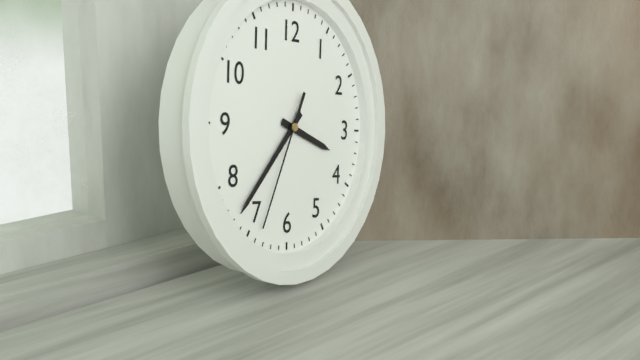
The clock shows h=3 m=37 s=34
